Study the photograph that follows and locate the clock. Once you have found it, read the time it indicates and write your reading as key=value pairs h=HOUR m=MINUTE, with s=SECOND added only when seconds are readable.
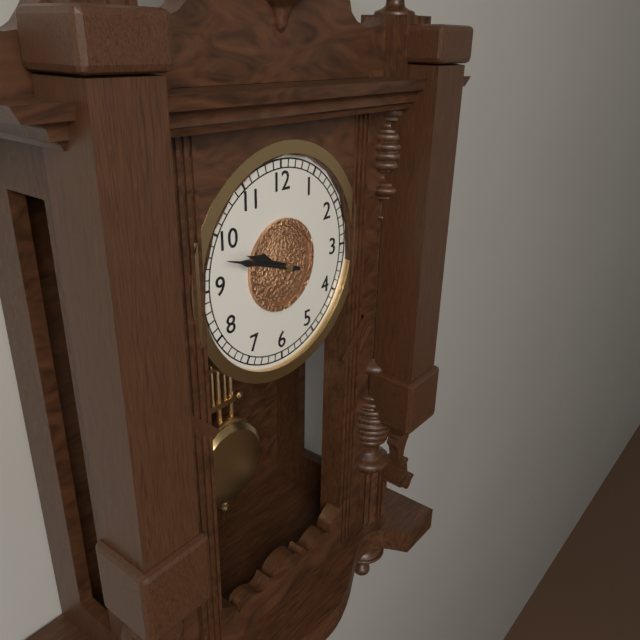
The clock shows h=9 m=48
